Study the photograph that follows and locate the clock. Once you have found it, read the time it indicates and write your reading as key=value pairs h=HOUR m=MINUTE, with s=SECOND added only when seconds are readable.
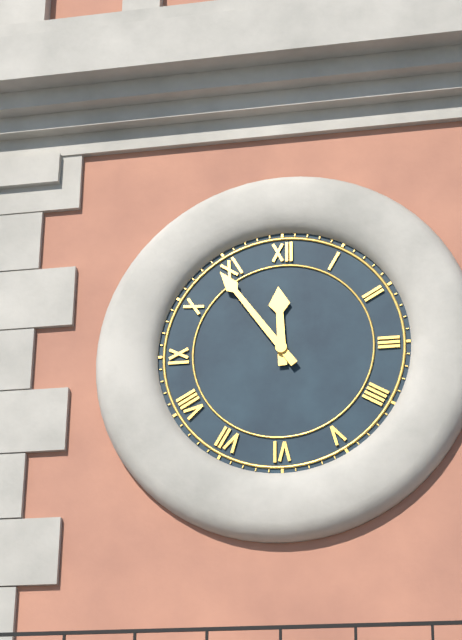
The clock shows h=11 m=54
